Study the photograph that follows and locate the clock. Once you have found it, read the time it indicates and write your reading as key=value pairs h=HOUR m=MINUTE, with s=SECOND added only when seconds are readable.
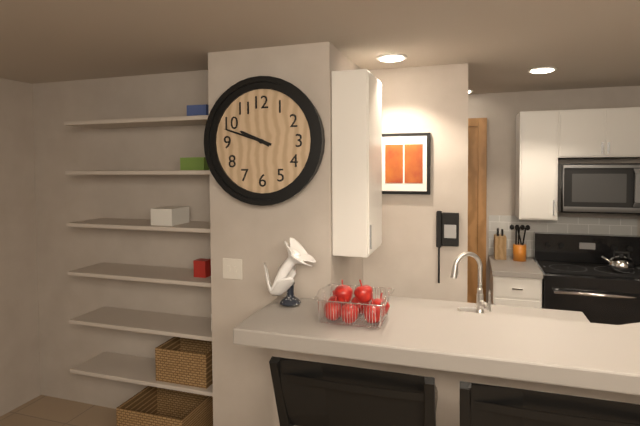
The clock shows h=9 m=48
